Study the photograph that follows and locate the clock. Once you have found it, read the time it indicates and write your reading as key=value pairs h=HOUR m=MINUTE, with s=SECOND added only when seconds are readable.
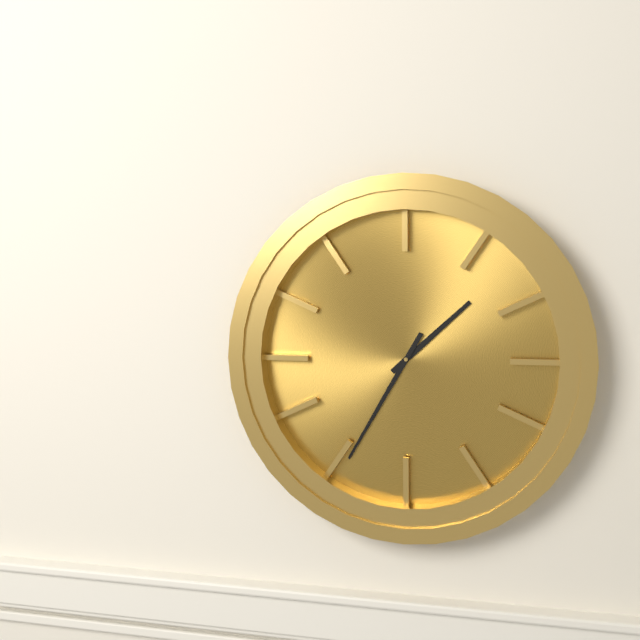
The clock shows h=1 m=35
